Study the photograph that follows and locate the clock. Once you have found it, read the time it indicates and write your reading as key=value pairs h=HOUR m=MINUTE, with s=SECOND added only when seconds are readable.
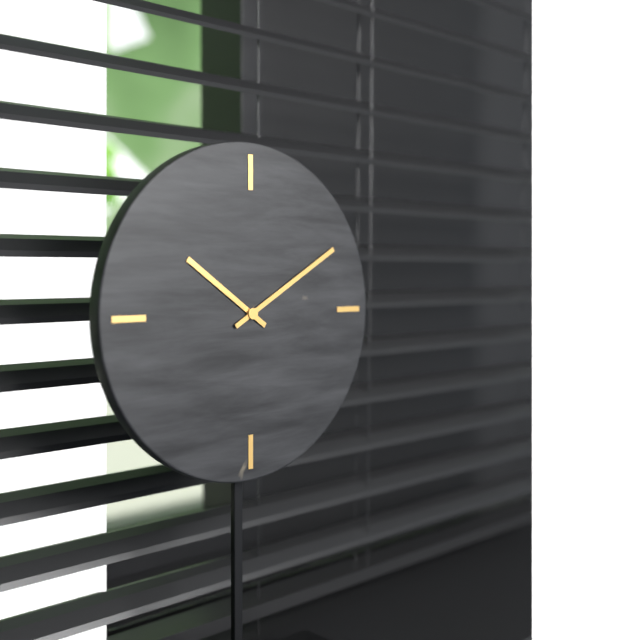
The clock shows h=10 m=10
